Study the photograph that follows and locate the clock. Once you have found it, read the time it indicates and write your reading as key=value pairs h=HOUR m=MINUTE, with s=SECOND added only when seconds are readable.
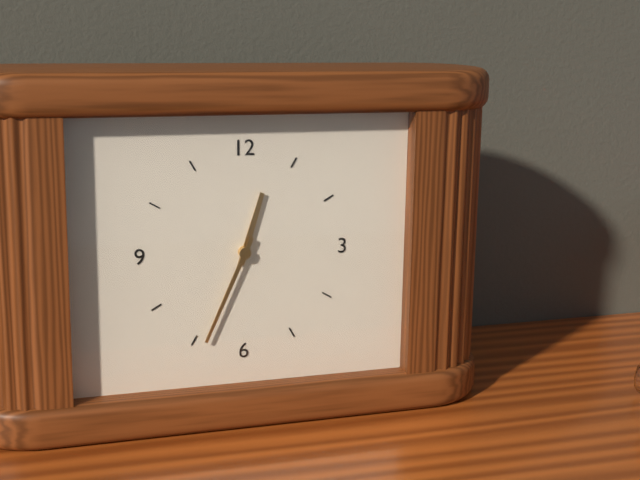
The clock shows h=12 m=34
